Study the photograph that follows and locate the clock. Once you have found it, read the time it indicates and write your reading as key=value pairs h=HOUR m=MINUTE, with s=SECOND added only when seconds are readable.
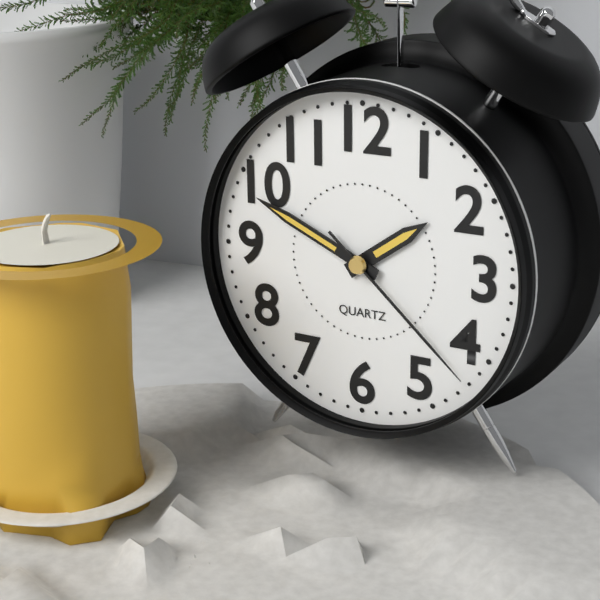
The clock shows h=1 m=49 s=22
